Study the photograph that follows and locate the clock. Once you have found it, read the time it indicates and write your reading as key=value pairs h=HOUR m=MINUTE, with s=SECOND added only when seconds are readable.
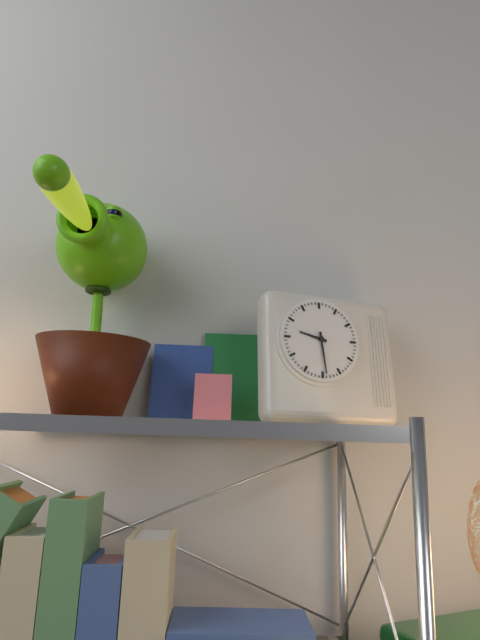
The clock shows h=9 m=29
